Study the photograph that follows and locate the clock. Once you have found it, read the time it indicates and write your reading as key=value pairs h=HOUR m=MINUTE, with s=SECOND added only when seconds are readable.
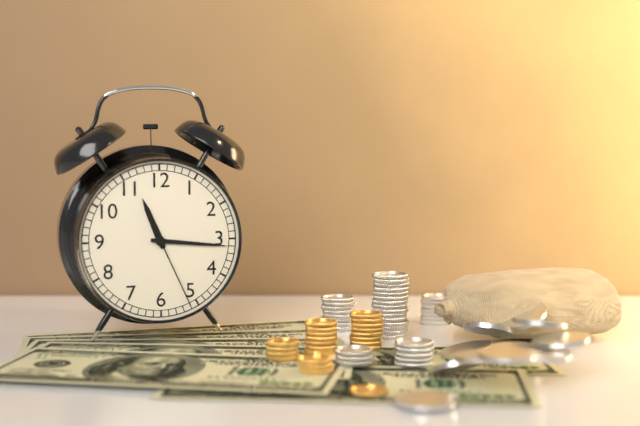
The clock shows h=11 m=16 s=26
